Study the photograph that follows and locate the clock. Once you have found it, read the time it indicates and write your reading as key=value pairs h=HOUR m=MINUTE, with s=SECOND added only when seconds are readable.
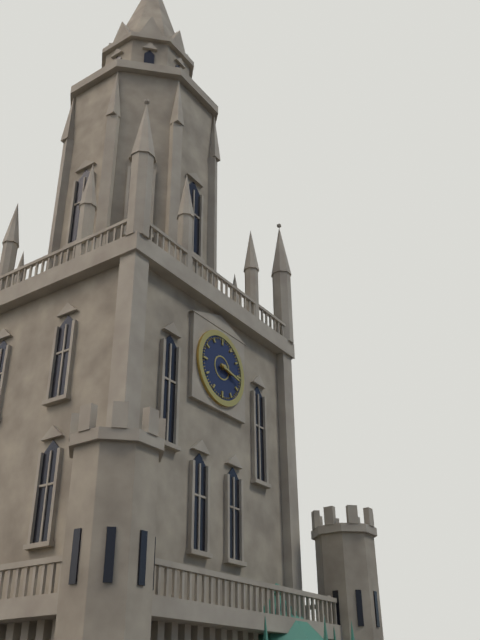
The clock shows h=3 m=17
